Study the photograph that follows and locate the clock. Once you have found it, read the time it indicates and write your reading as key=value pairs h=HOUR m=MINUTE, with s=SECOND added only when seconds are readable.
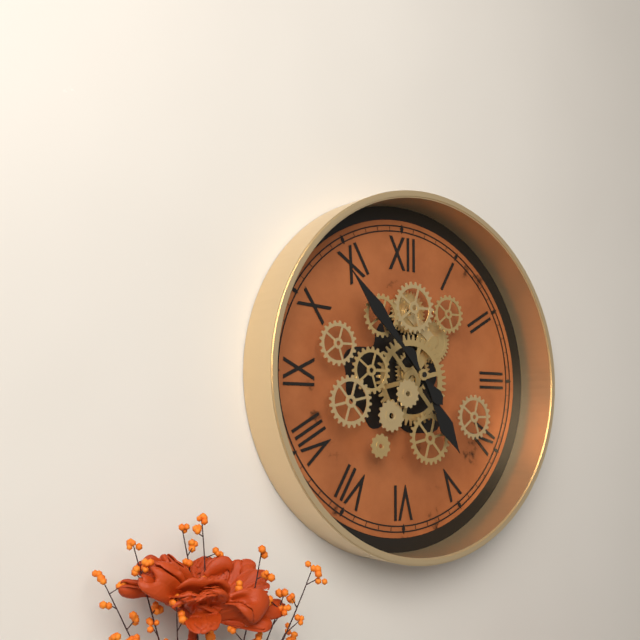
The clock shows h=4 m=53
